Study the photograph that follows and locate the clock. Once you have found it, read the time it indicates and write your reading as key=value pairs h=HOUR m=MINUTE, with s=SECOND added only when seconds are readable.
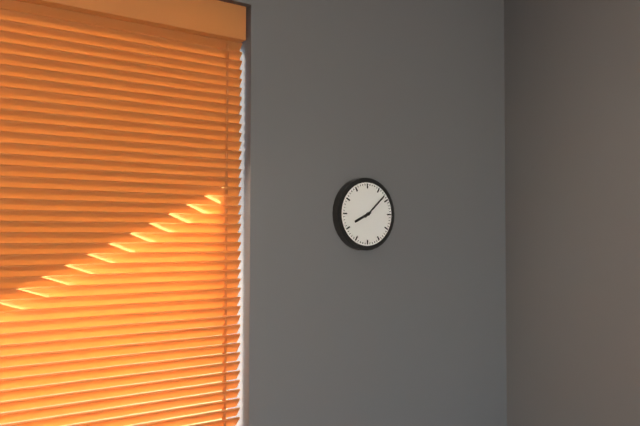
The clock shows h=8 m=8
